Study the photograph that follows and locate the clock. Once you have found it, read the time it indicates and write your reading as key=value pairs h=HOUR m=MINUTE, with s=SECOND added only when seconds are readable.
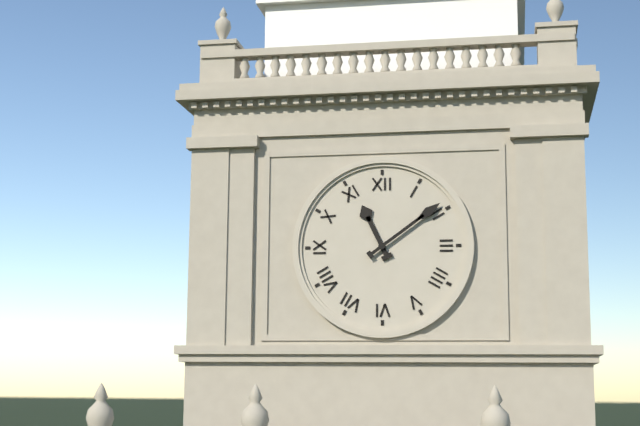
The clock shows h=11 m=9
